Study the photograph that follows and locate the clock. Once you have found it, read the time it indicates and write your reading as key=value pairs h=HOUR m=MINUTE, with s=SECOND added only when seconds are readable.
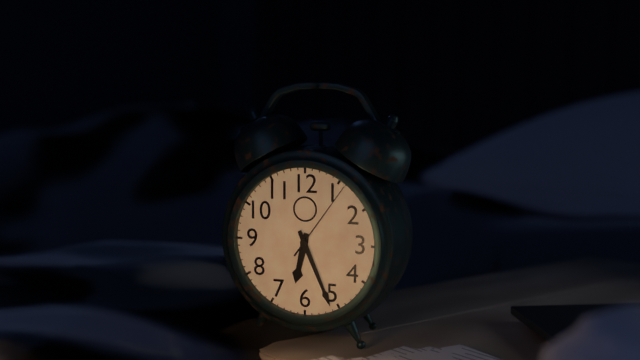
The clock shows h=6 m=26 s=6
